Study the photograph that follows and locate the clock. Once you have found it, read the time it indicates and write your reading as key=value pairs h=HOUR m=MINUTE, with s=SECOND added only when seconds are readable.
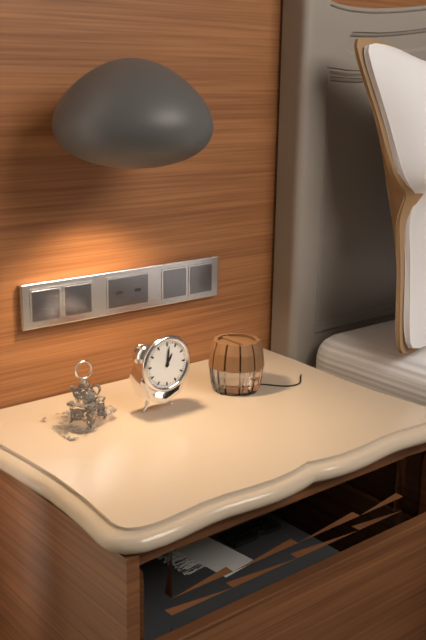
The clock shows h=1 m=1
